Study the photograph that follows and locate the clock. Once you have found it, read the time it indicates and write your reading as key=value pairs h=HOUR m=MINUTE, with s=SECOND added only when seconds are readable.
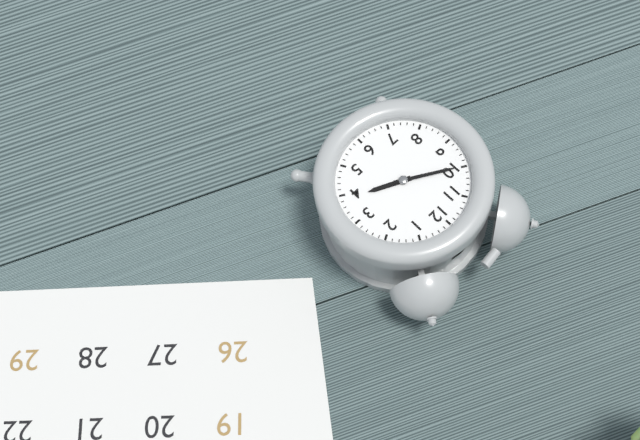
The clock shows h=3 m=50
